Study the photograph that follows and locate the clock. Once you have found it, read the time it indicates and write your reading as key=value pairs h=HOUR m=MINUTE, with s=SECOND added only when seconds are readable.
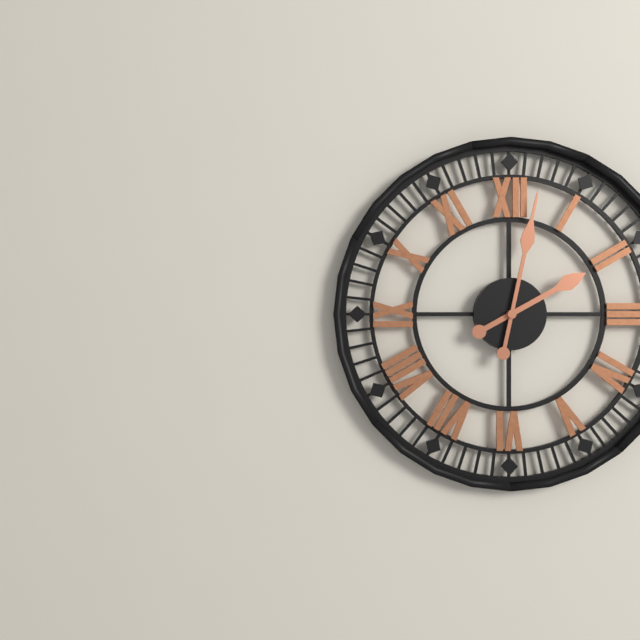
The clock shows h=2 m=2
